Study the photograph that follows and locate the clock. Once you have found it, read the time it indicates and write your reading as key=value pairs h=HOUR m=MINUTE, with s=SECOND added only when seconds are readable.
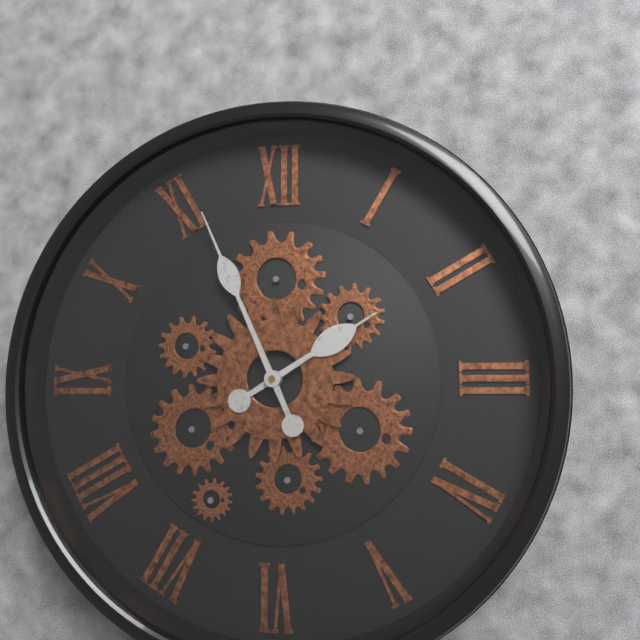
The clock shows h=1 m=56
